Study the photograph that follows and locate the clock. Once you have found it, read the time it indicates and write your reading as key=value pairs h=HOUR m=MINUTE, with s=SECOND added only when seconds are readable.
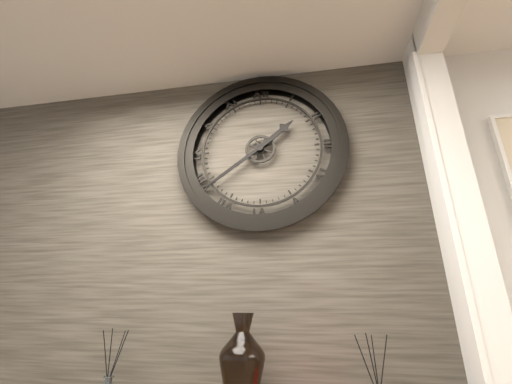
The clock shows h=1 m=39
